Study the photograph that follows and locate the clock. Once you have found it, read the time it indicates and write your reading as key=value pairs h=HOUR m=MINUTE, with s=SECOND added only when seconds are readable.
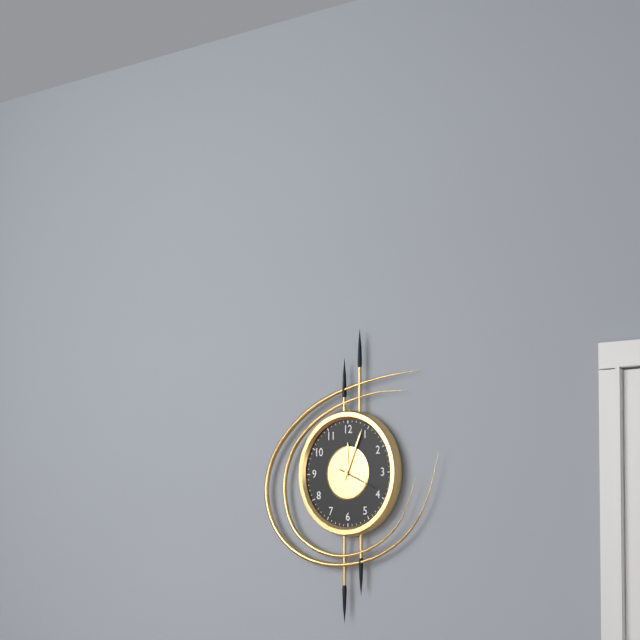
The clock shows h=12 m=4
